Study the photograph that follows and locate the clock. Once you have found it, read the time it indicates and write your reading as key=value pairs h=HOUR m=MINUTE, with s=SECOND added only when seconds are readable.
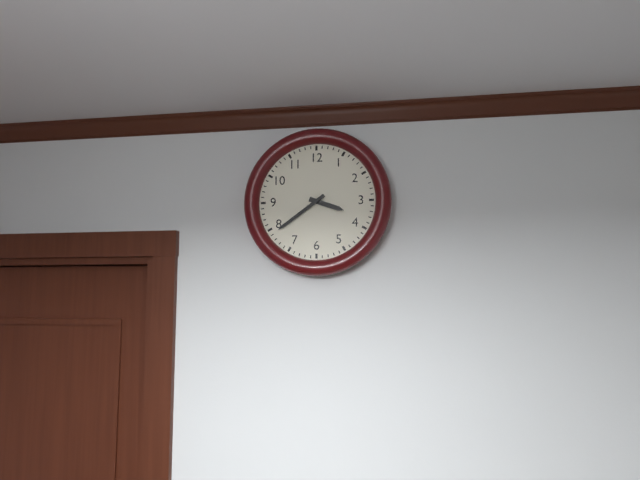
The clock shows h=3 m=39
